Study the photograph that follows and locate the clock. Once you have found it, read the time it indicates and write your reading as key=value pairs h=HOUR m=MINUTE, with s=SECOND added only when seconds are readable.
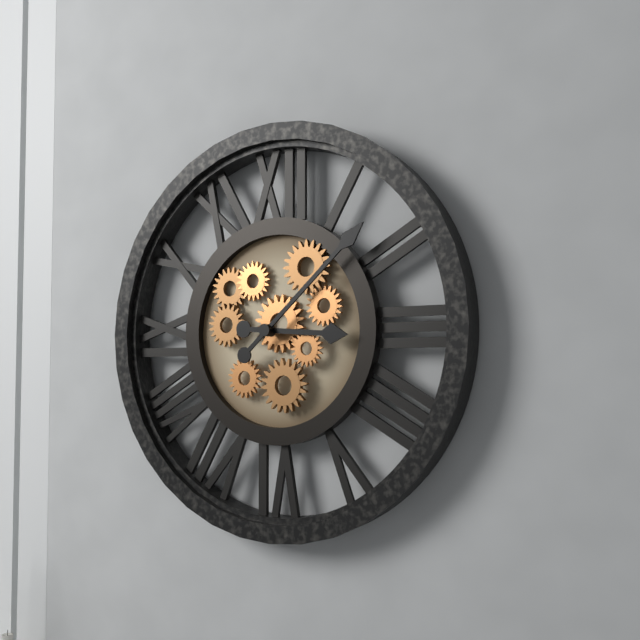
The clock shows h=3 m=8
